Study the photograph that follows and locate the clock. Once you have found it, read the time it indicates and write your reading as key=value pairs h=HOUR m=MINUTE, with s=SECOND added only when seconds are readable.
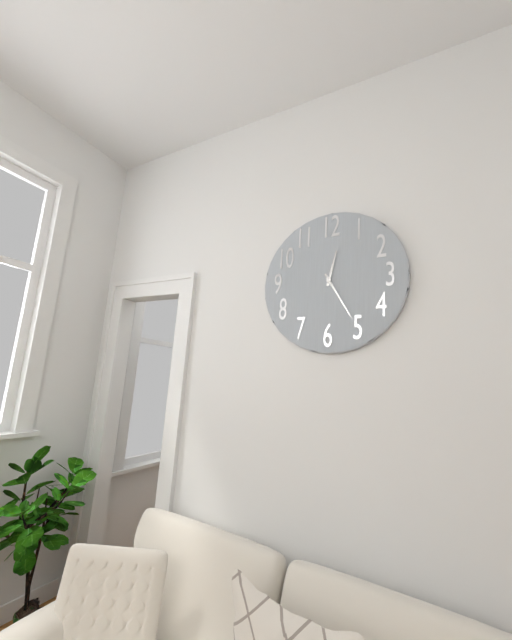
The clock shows h=12 m=25
